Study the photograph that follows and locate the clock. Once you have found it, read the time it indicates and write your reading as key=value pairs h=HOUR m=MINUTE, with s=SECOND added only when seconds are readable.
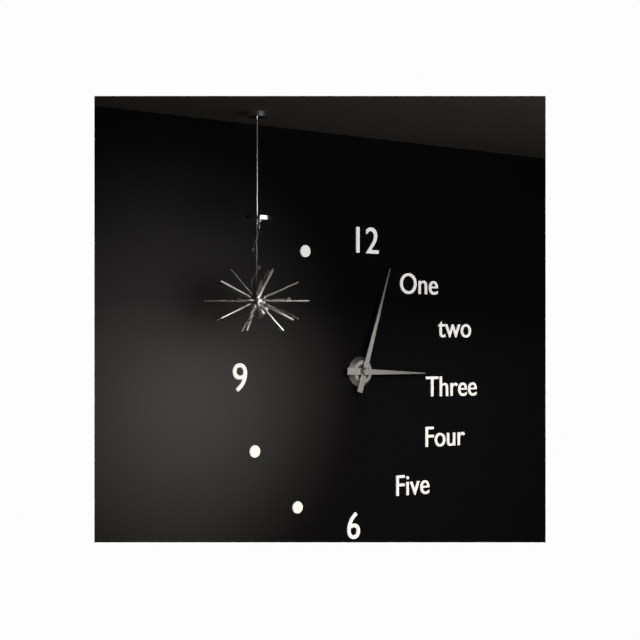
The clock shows h=3 m=3
